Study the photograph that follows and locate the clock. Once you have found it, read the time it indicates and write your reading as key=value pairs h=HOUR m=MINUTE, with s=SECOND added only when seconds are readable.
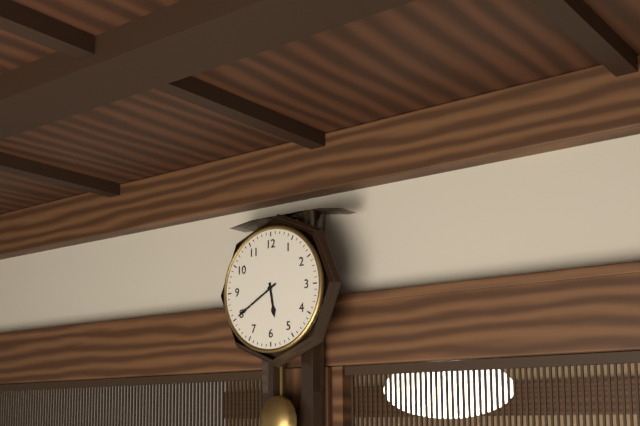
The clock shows h=5 m=40
